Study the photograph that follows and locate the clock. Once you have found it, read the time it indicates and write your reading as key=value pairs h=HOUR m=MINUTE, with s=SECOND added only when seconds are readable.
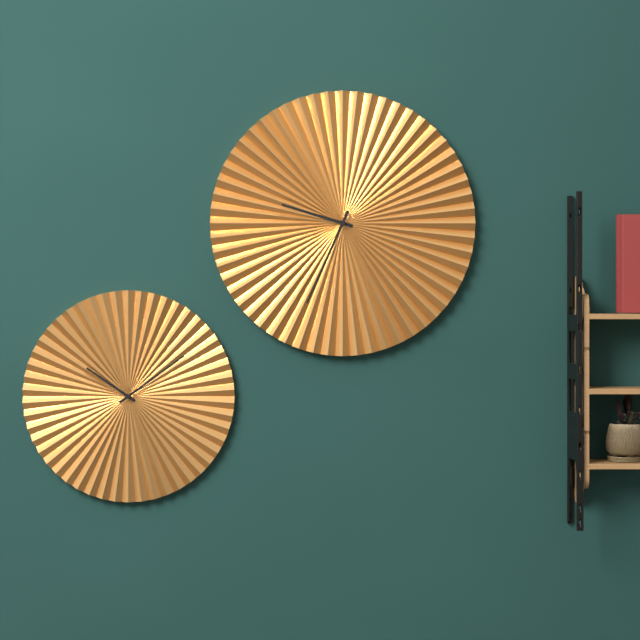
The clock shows h=9 m=34
